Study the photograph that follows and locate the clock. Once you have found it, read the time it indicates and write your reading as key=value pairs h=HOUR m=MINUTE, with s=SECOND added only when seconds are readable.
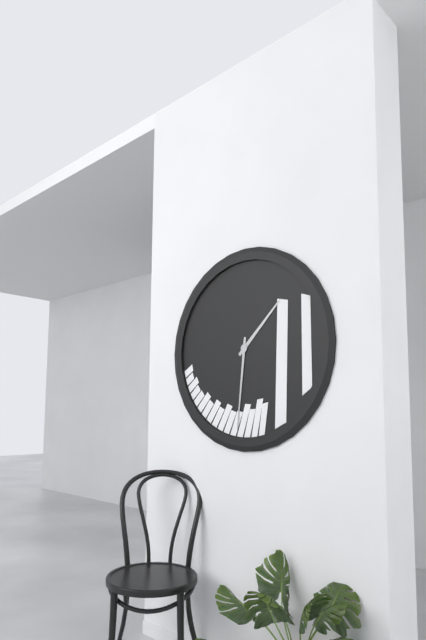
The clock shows h=1 m=31
